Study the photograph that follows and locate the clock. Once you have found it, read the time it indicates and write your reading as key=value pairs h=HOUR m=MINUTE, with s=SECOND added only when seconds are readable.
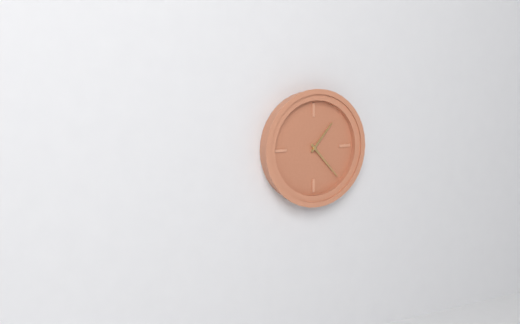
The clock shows h=1 m=23
